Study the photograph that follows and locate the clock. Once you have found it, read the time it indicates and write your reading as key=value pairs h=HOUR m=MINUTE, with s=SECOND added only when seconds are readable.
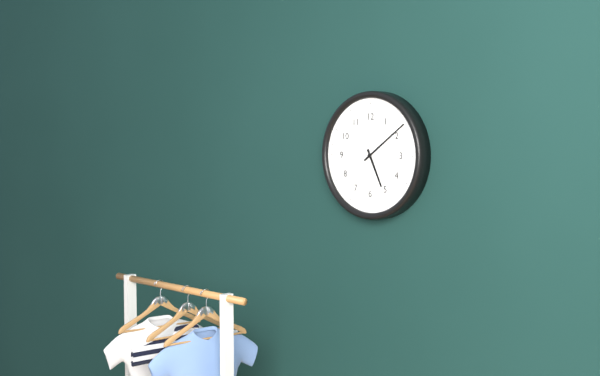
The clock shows h=5 m=9
